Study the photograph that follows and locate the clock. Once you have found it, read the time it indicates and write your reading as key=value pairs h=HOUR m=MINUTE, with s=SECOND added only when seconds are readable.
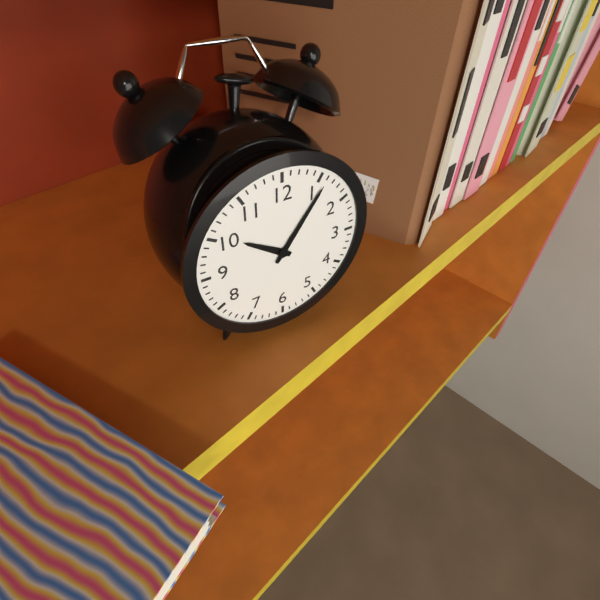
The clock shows h=10 m=6
